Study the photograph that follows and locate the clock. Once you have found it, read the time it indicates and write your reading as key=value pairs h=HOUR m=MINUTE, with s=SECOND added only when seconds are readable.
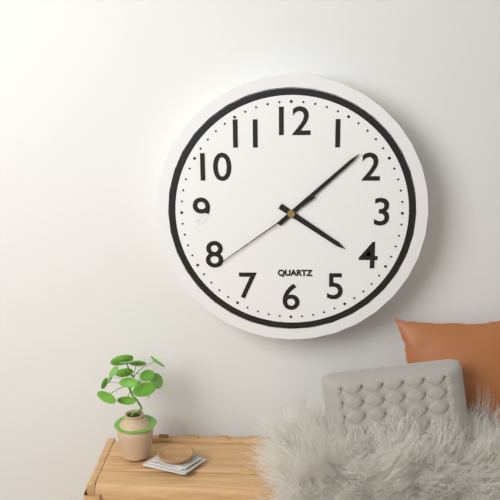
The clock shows h=4 m=8 s=39
